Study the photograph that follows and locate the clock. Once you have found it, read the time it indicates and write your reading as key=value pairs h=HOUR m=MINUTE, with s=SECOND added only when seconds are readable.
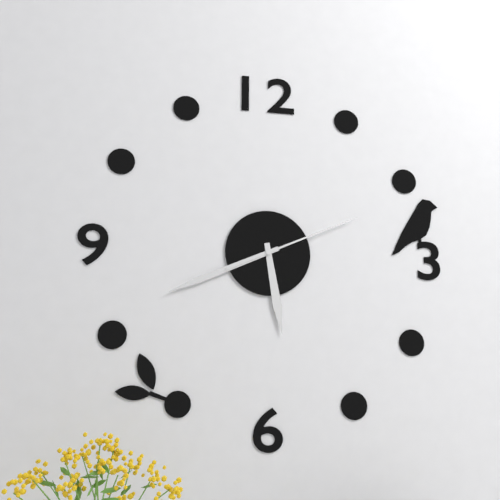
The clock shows h=5 m=41 s=11
